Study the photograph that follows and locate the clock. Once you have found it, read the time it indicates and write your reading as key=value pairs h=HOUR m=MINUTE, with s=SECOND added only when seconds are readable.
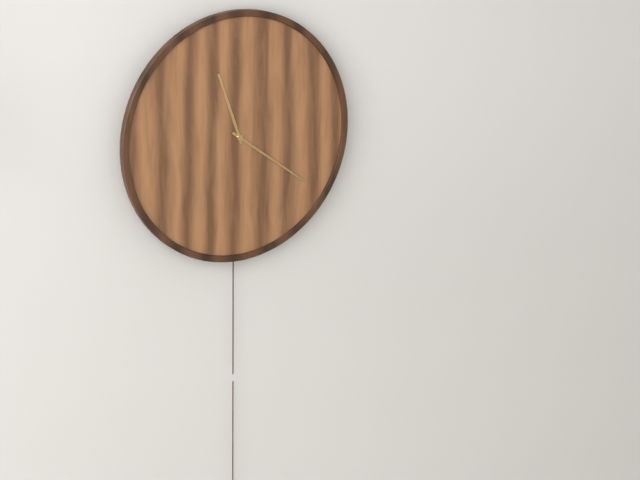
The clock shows h=11 m=21
